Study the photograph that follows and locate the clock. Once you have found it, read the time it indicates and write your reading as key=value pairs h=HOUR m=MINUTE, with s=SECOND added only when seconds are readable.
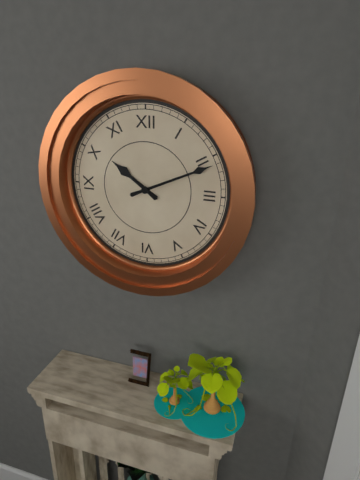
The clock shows h=10 m=11
